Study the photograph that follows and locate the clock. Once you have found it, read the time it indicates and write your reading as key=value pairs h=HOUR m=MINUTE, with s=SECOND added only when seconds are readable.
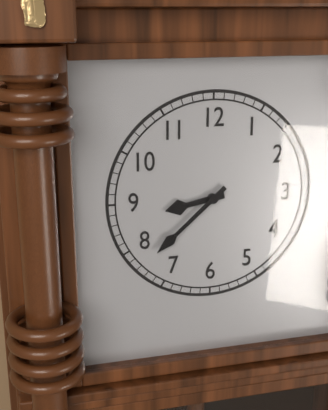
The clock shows h=8 m=38
